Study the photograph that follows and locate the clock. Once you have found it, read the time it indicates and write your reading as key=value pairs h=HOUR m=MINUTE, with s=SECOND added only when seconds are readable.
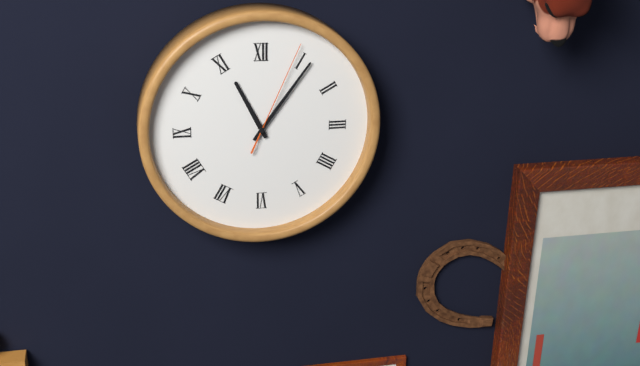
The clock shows h=11 m=6 s=4
